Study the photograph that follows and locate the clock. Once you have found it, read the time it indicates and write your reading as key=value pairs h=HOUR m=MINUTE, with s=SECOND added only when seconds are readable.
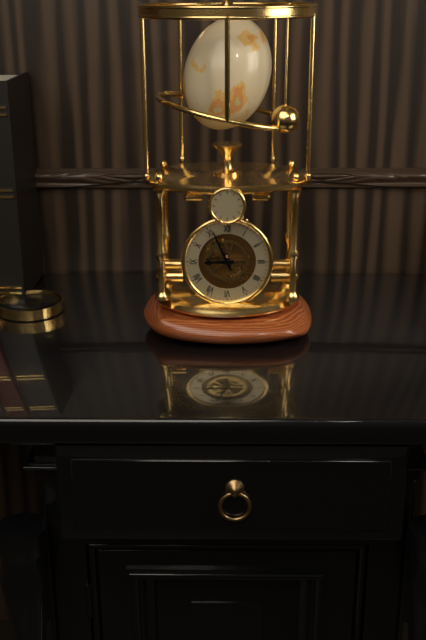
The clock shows h=8 m=56
